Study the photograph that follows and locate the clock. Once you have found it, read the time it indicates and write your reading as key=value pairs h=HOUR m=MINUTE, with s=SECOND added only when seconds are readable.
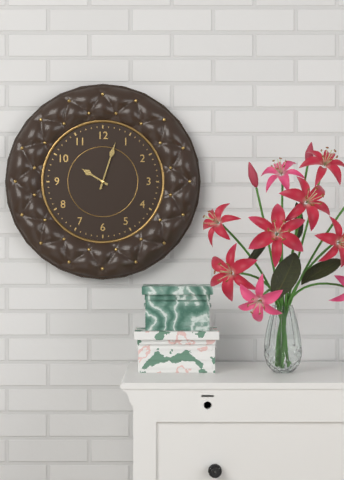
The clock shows h=10 m=3
